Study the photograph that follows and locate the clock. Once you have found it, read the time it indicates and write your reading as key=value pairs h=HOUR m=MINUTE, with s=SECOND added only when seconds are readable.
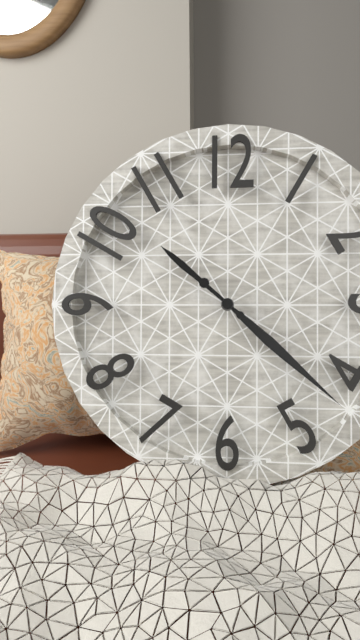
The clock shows h=10 m=22
